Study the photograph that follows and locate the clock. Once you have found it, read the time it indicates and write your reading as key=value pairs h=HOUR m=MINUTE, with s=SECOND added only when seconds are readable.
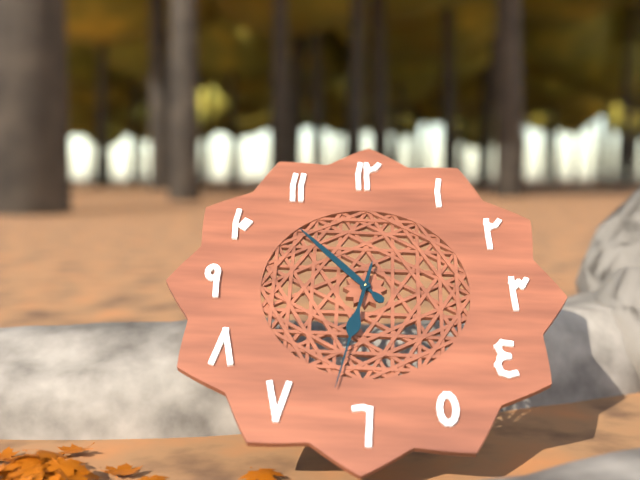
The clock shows h=10 m=32
